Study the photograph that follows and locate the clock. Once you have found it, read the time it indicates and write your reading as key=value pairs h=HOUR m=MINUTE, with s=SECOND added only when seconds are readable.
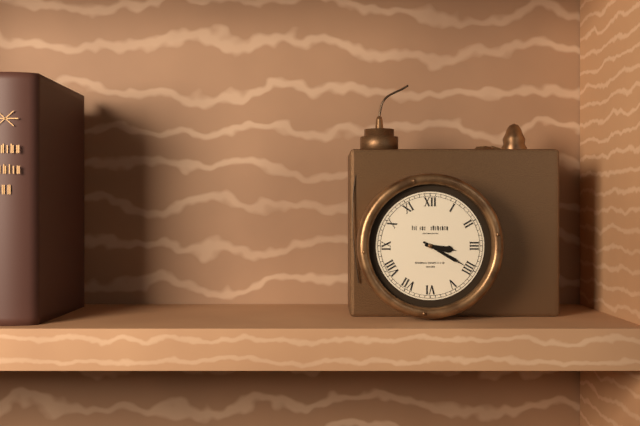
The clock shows h=3 m=20
